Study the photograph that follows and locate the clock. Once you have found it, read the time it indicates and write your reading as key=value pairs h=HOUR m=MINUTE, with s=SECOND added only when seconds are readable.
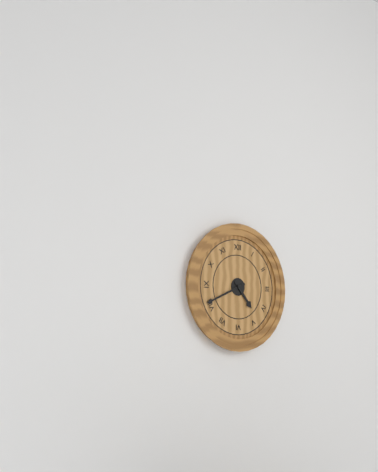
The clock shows h=4 m=41
